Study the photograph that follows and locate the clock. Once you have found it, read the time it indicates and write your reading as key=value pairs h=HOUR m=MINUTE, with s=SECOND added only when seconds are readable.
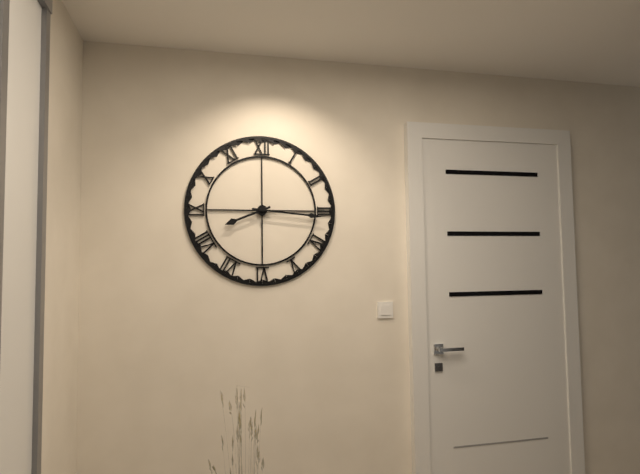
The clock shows h=8 m=16
